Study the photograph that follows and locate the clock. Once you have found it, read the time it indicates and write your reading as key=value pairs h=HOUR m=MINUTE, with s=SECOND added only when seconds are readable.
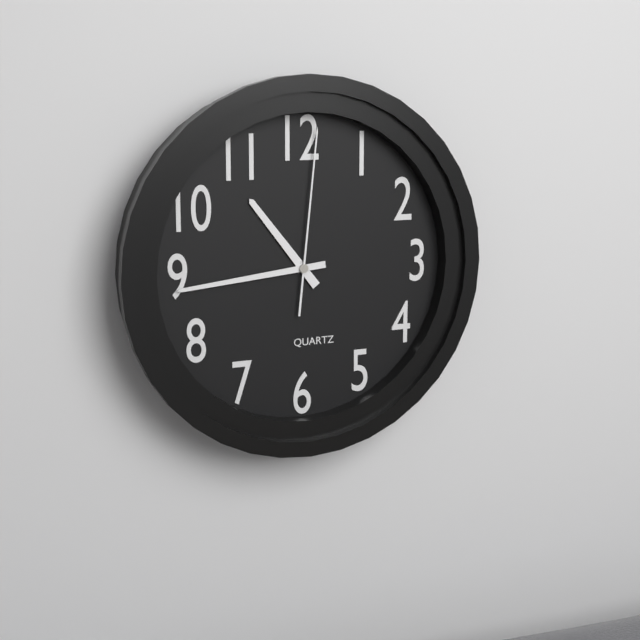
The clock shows h=10 m=44 s=1
